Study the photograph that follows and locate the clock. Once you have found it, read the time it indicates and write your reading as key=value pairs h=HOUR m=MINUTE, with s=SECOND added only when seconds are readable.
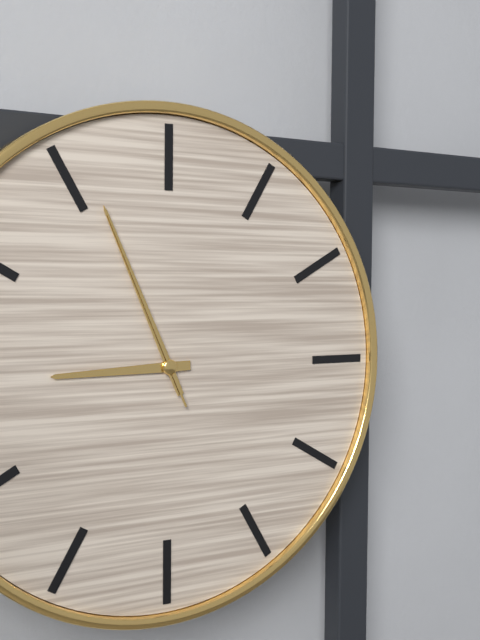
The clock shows h=8 m=56 s=56
